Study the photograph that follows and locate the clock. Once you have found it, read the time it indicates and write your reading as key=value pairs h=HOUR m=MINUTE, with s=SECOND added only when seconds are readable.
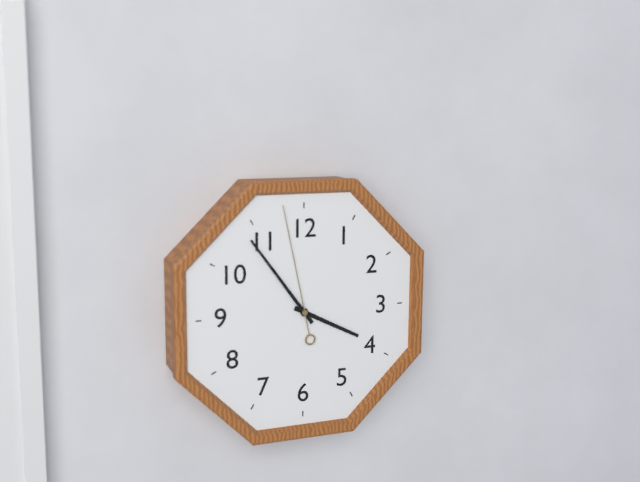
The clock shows h=3 m=54 s=58
